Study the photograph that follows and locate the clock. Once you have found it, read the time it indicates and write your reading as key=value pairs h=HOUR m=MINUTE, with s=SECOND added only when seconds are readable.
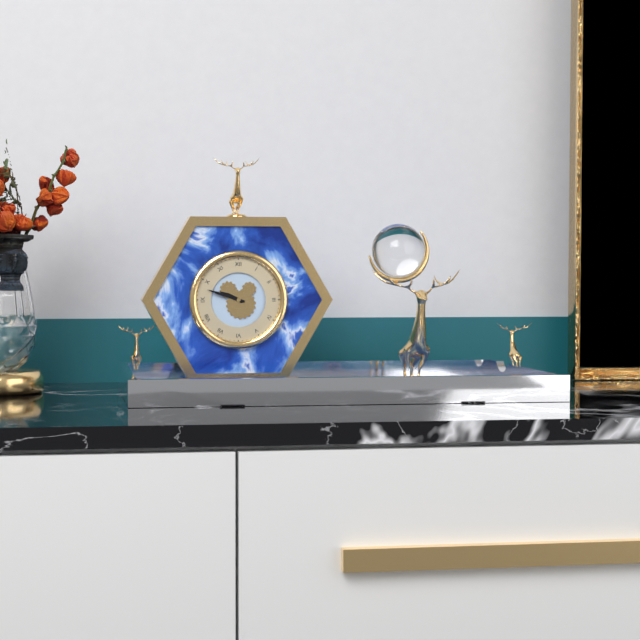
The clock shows h=9 m=48
